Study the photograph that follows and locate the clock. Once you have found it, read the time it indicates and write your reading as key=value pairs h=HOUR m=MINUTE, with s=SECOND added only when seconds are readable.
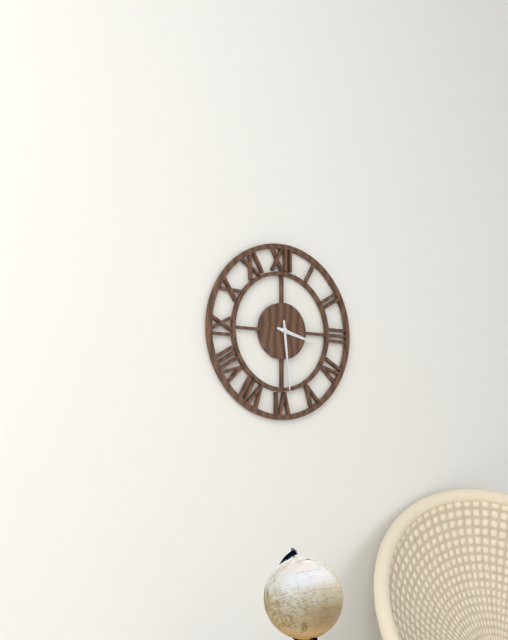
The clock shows h=3 m=29
